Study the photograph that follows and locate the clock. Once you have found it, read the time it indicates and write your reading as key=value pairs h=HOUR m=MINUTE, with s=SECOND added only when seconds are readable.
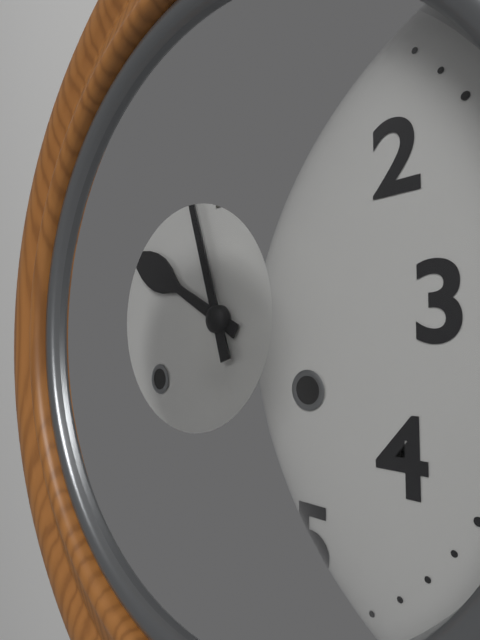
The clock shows h=9 m=57
